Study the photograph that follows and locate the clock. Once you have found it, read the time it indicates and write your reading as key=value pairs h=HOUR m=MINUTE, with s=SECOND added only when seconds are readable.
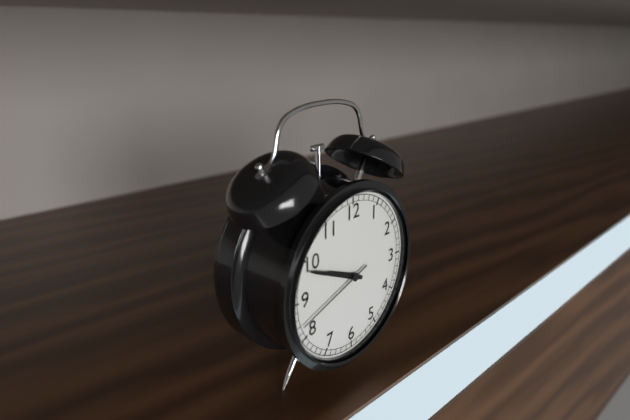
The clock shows h=9 m=49 s=42
